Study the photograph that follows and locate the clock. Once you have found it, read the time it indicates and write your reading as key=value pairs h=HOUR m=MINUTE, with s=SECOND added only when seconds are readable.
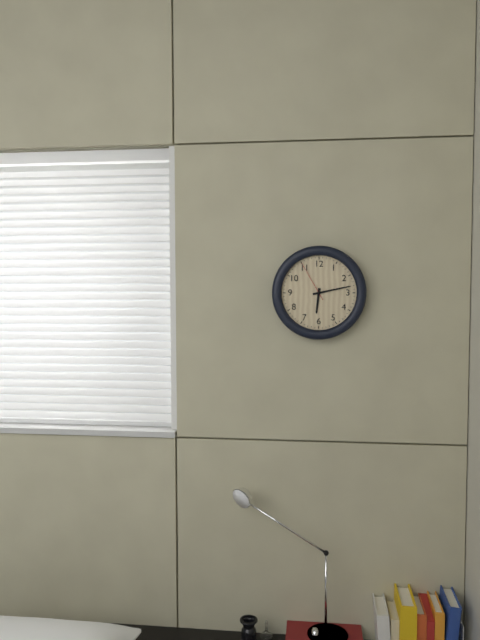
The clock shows h=6 m=13
